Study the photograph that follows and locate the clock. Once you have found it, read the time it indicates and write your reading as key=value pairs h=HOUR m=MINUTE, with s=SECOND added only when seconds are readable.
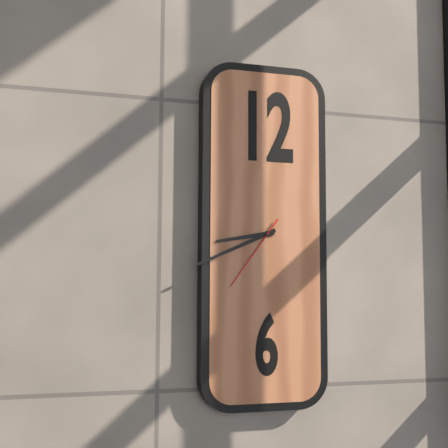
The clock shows h=8 m=41 s=36
